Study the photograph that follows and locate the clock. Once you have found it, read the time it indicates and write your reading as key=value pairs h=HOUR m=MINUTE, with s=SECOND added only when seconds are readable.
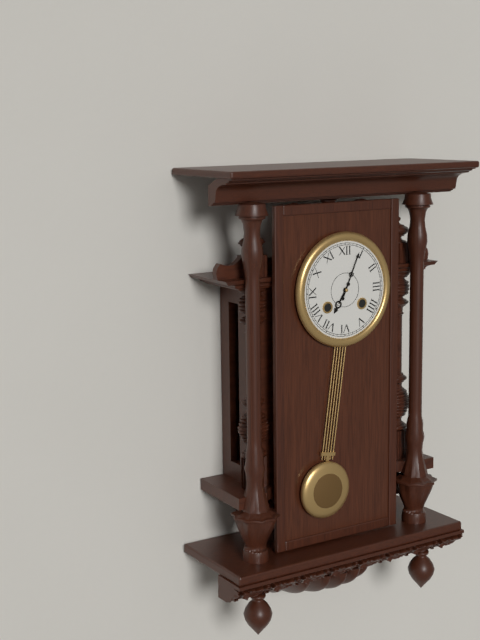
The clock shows h=7 m=4
